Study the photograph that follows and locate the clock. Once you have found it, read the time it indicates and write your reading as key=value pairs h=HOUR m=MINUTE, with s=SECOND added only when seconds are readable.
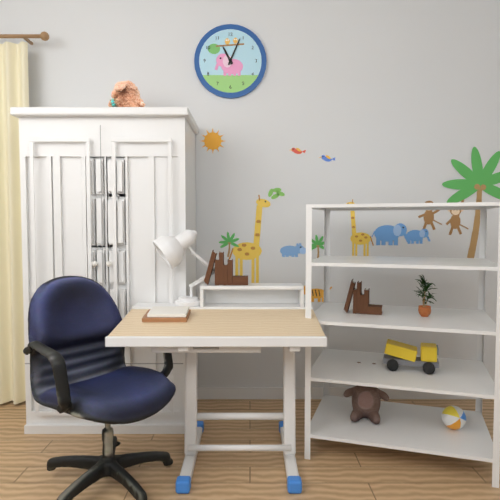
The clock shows h=11 m=4
